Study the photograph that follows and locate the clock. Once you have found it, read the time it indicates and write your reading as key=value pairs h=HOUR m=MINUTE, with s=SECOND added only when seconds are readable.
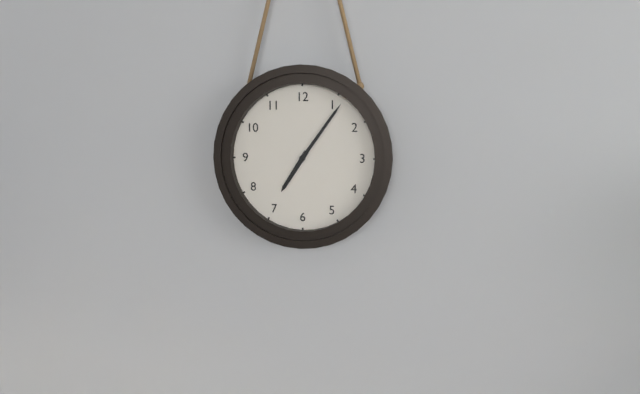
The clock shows h=7 m=6
